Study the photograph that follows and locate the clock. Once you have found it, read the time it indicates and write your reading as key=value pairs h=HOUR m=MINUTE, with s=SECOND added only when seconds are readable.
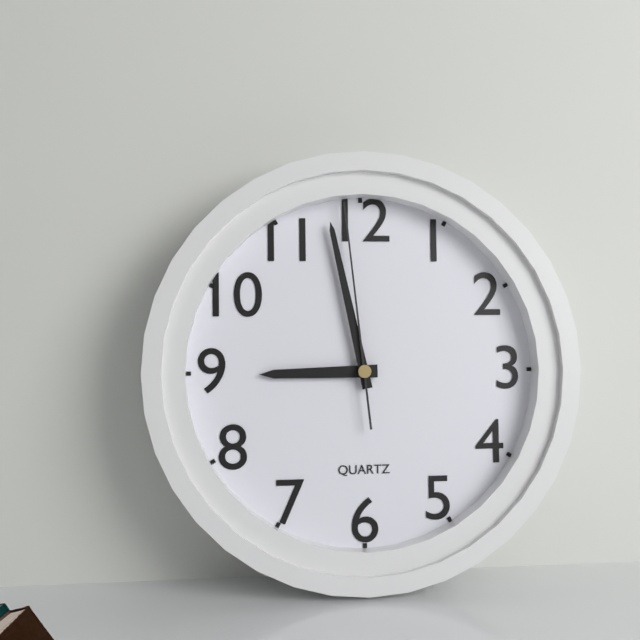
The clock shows h=8 m=58 s=59
